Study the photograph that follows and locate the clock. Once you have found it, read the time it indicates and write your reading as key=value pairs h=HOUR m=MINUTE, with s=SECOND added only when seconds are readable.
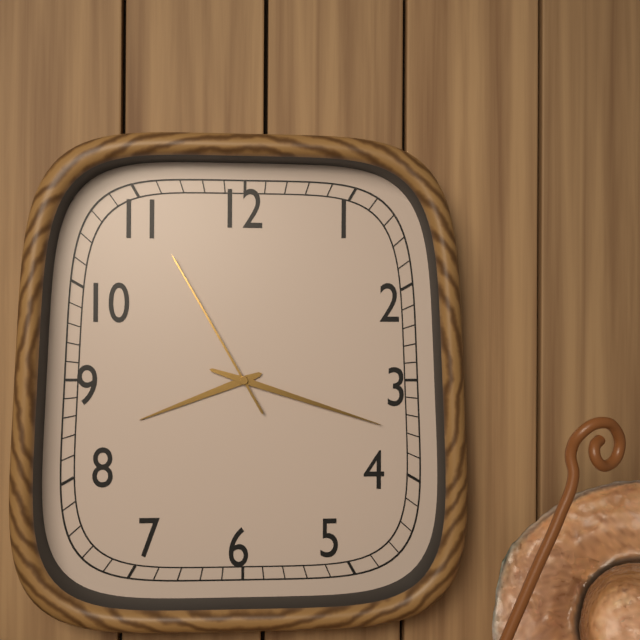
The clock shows h=8 m=18 s=55
